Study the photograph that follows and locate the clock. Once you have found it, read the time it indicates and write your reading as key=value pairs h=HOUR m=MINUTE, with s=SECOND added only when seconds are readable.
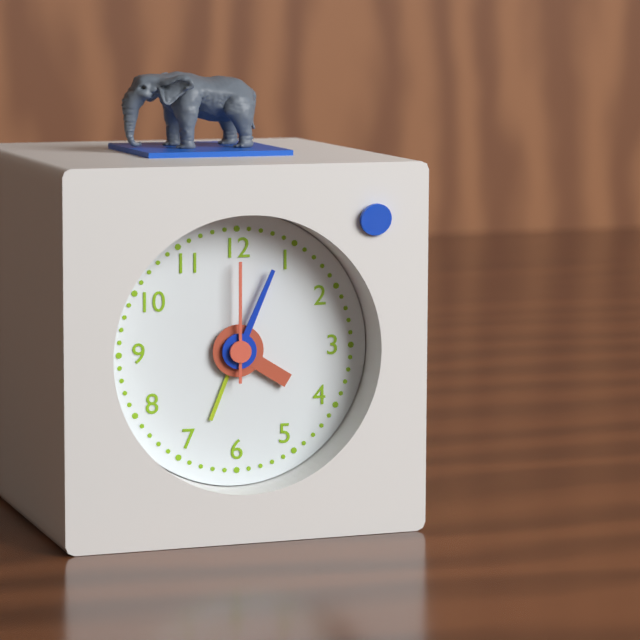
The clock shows h=4 m=4 s=0
